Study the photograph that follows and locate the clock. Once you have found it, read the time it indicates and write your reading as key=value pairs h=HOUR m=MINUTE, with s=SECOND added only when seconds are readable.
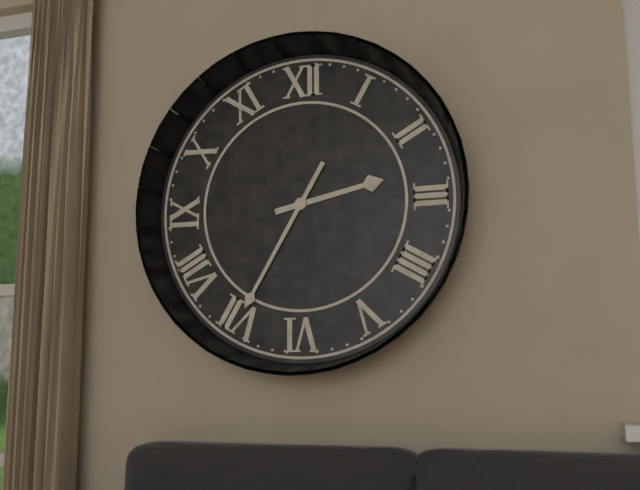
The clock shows h=2 m=35
